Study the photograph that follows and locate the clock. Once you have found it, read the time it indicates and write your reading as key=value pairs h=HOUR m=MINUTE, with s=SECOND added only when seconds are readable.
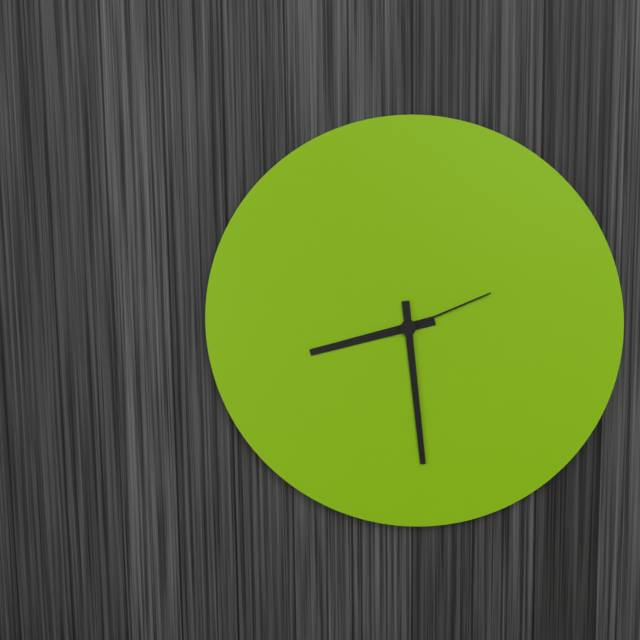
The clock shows h=8 m=29 s=11
